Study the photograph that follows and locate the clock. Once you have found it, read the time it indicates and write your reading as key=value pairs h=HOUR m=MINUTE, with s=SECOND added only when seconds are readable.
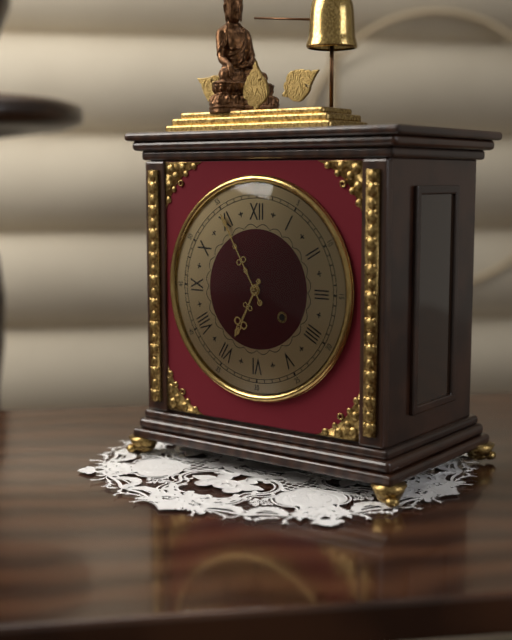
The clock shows h=6 m=55
